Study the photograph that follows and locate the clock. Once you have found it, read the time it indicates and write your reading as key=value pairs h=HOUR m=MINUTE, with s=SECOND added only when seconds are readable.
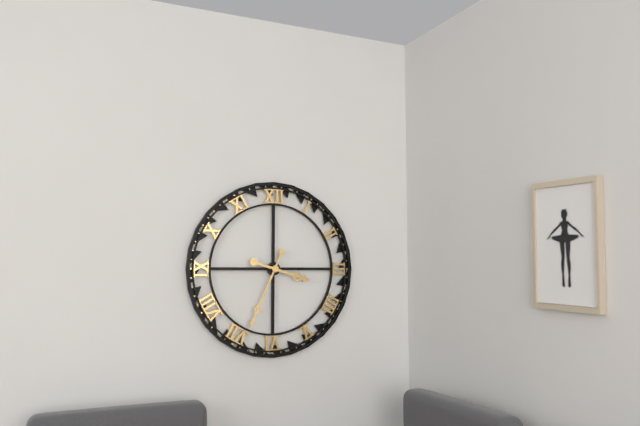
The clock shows h=3 m=34
